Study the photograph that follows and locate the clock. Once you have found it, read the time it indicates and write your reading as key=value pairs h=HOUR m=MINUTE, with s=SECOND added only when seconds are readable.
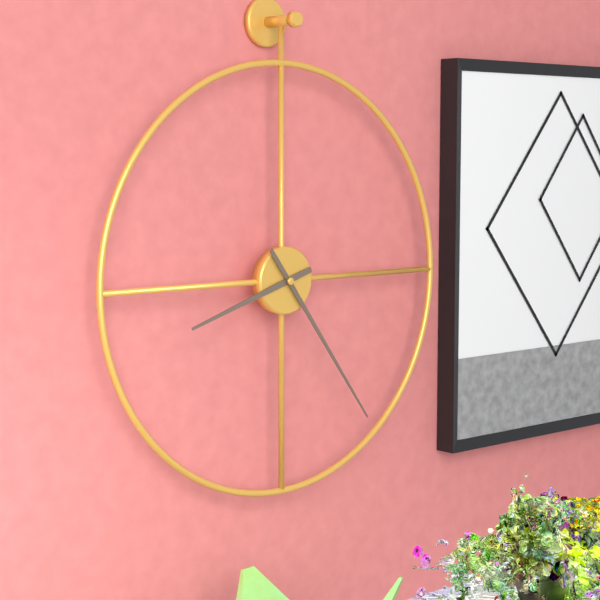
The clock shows h=8 m=24
